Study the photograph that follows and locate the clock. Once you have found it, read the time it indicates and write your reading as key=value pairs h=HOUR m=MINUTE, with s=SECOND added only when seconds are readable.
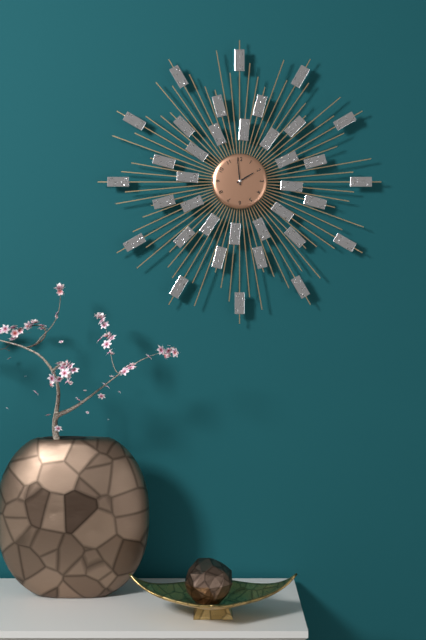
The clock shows h=1 m=59
